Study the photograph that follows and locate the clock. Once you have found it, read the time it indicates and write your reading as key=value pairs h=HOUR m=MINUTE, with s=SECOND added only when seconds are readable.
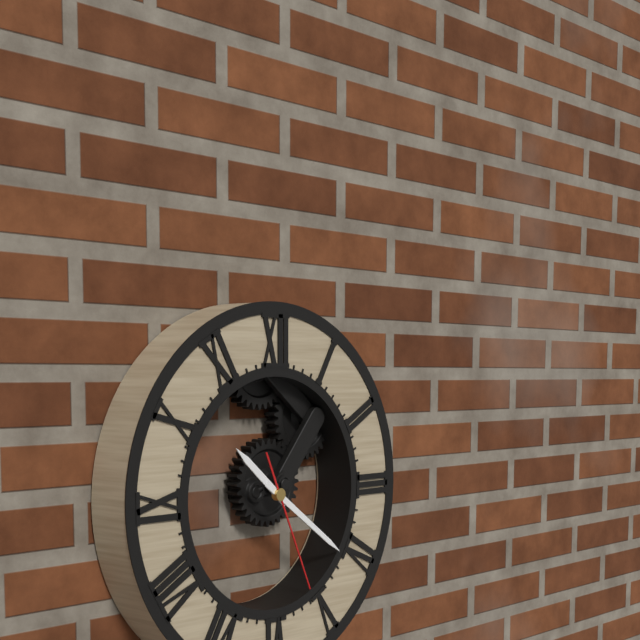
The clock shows h=10 m=21 s=26
